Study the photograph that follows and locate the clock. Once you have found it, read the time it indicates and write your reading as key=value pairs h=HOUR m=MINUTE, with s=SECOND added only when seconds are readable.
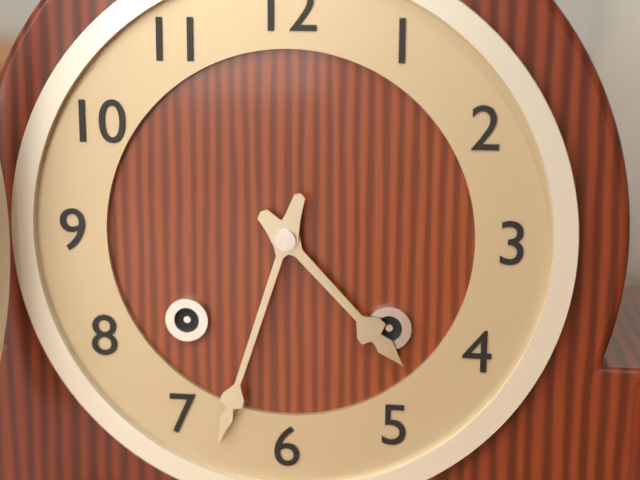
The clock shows h=4 m=33
